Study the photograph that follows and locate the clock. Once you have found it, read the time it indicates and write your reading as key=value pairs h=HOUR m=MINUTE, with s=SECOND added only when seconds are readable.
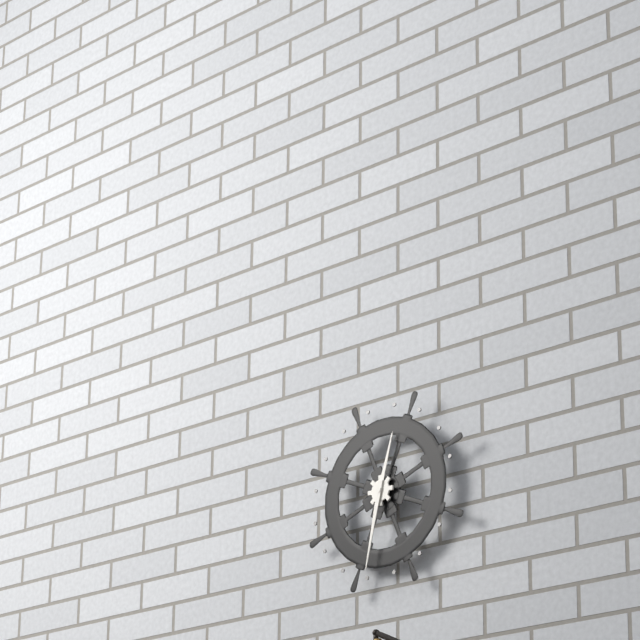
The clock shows h=12 m=32
